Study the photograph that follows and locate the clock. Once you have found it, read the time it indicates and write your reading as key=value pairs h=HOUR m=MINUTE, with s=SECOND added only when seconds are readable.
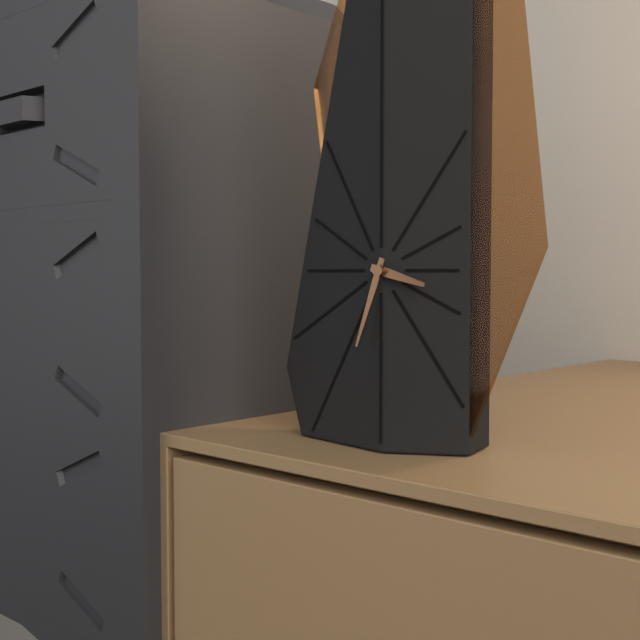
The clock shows h=3 m=33
